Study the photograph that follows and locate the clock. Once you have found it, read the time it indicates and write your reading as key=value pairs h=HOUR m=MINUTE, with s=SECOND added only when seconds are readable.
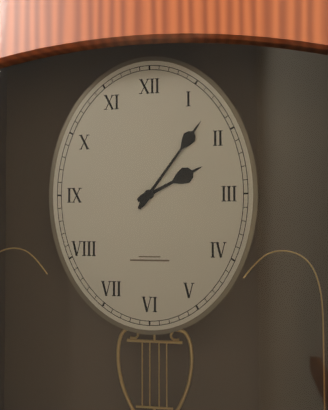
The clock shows h=2 m=6
